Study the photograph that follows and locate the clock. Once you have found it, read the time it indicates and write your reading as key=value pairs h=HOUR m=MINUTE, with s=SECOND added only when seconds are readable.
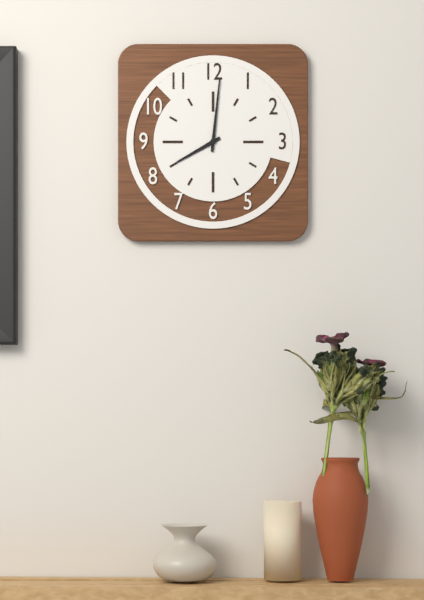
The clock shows h=8 m=1
